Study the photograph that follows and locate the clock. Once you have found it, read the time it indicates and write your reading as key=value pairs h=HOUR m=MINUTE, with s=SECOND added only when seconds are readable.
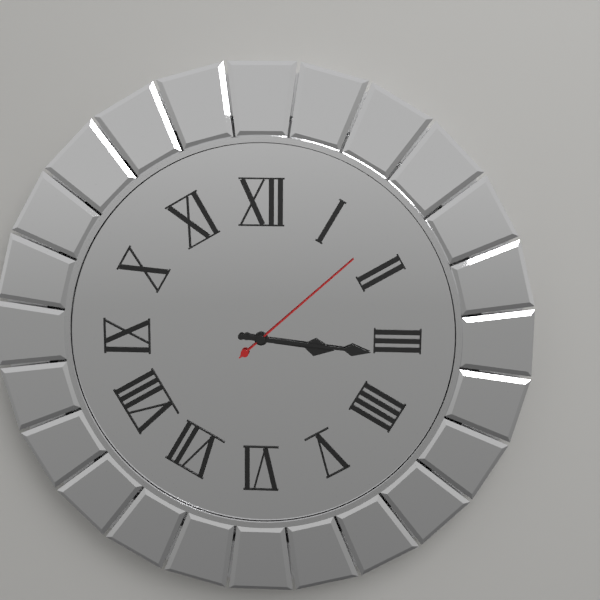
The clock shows h=3 m=16 s=8
